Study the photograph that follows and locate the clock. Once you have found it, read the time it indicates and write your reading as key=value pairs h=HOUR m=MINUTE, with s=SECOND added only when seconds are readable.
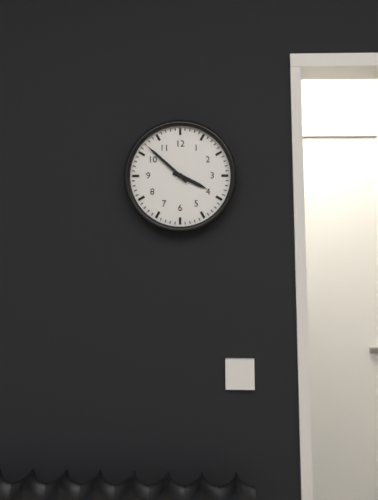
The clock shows h=3 m=52
